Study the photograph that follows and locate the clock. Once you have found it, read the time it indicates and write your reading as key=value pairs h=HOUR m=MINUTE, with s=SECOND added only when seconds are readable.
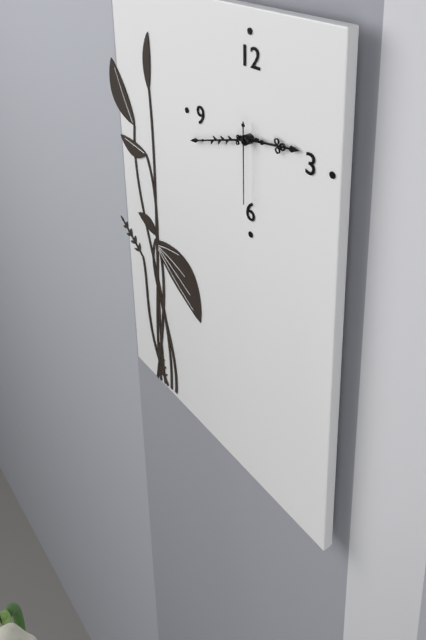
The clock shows h=2 m=42 s=30
